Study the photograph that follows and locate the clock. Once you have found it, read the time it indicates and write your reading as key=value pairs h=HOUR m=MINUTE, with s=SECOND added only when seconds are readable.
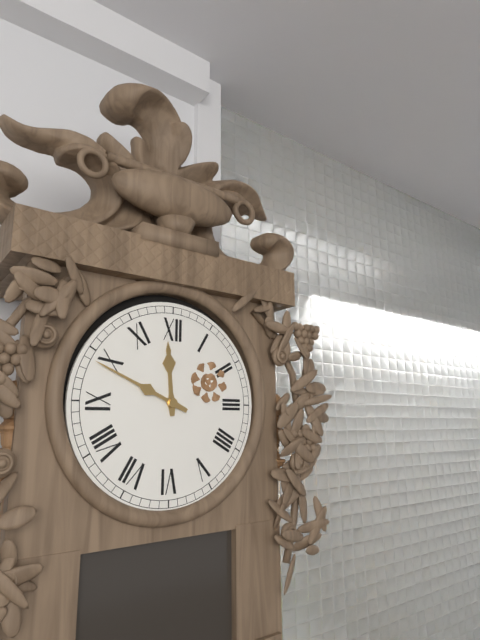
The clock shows h=11 m=49
